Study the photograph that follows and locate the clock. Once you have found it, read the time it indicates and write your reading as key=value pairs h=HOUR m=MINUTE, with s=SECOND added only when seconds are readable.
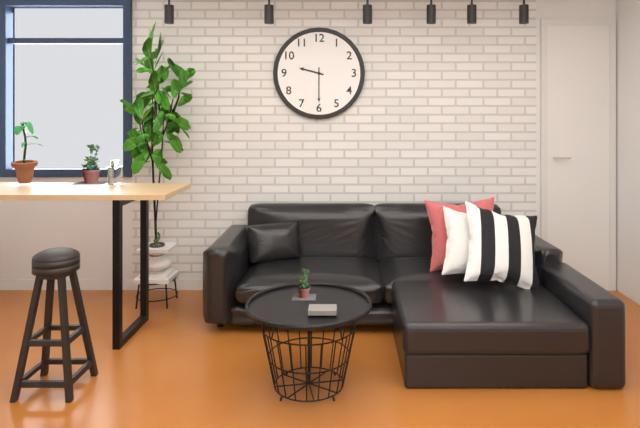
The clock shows h=9 m=30
